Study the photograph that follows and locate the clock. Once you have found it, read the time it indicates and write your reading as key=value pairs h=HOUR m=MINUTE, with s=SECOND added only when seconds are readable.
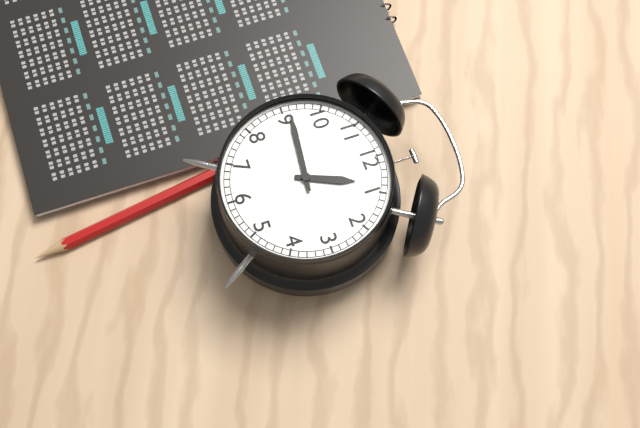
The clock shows h=12 m=46
